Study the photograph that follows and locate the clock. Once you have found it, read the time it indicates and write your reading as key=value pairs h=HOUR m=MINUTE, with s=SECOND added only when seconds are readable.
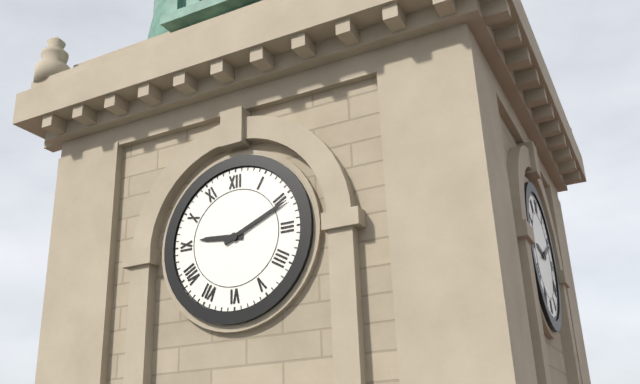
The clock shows h=9 m=11
